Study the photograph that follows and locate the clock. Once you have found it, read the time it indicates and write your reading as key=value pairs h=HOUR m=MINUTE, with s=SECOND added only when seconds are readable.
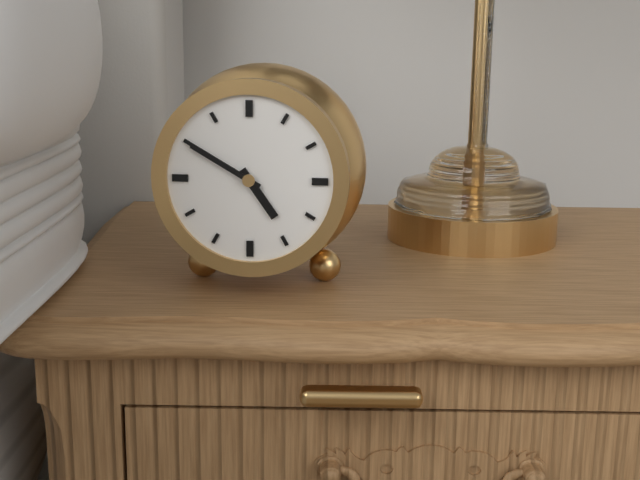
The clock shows h=4 m=50
